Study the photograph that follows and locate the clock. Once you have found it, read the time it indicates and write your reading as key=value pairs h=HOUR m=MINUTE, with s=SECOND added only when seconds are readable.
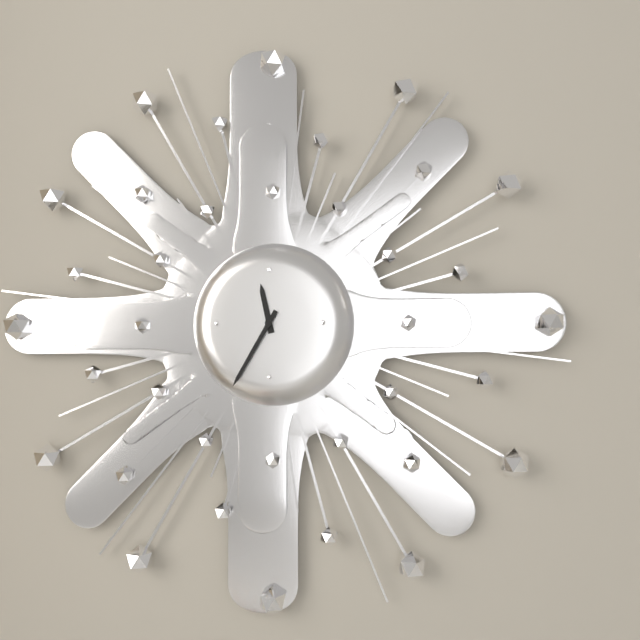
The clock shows h=11 m=35
